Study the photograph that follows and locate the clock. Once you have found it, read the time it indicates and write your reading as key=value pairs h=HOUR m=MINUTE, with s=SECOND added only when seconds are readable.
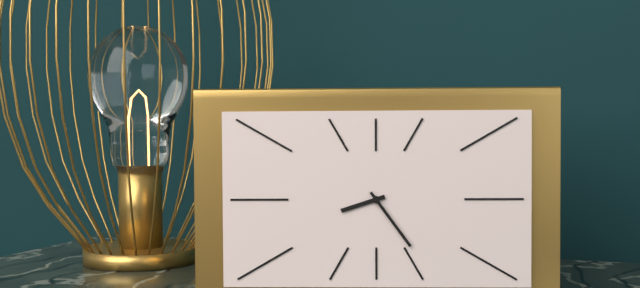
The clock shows h=8 m=24
